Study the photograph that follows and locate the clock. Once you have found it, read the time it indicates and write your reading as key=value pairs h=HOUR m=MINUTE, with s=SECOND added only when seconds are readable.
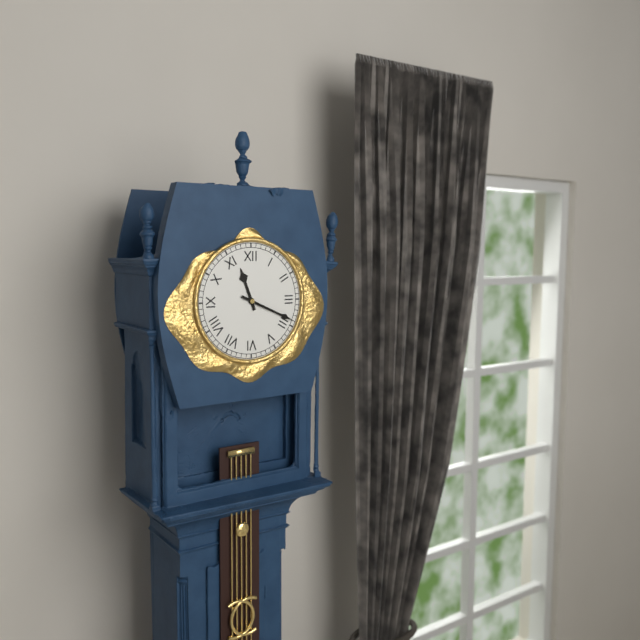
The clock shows h=11 m=19
